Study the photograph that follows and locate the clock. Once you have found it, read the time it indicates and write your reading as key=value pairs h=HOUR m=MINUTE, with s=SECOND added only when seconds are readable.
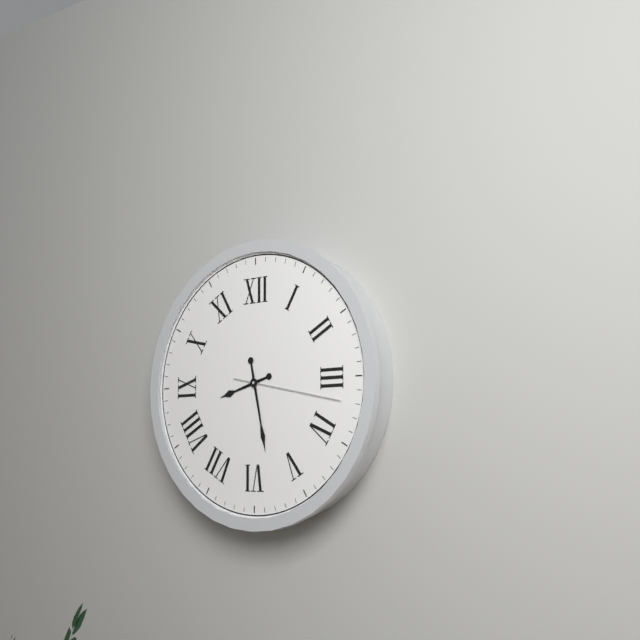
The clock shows h=8 m=28 s=17
